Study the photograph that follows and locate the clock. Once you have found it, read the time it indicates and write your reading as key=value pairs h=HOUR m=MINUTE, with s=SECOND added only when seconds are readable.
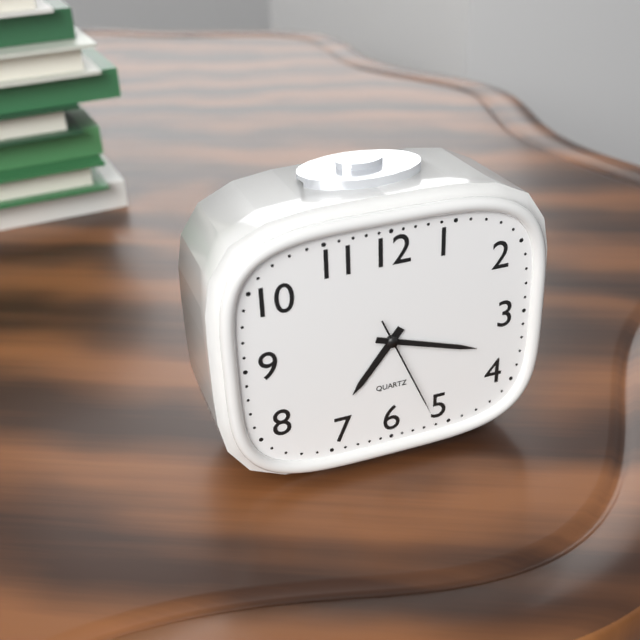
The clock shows h=7 m=18 s=26
